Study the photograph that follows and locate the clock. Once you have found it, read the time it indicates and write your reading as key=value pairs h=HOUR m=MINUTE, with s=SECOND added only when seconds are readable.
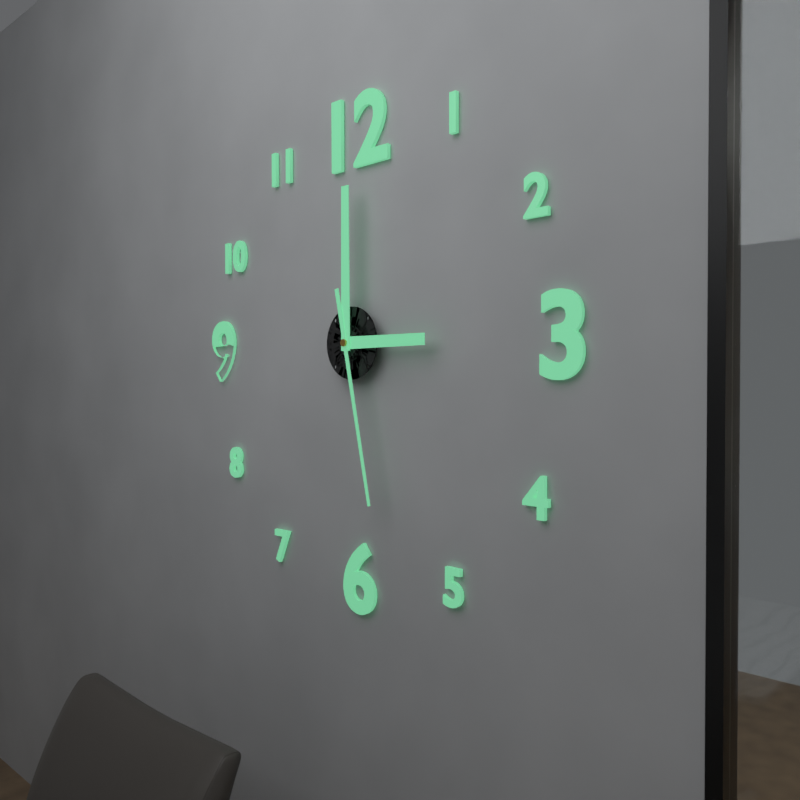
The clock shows h=3 m=0 s=28
